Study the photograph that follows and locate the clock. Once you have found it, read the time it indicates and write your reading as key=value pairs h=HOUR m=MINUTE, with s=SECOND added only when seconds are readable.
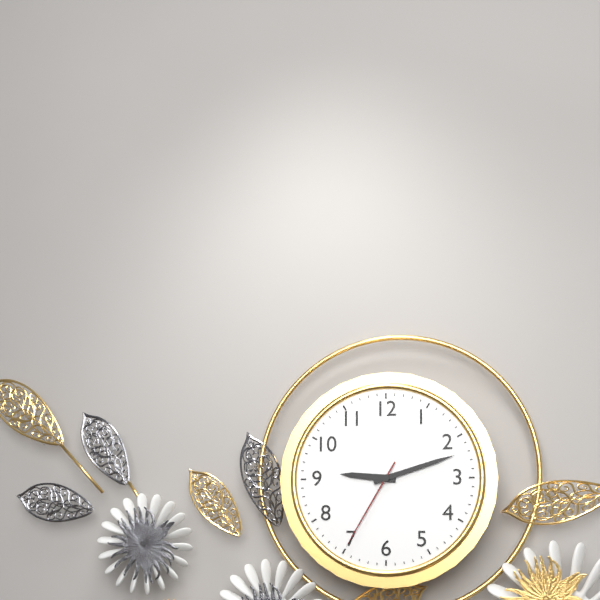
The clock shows h=9 m=12 s=35
